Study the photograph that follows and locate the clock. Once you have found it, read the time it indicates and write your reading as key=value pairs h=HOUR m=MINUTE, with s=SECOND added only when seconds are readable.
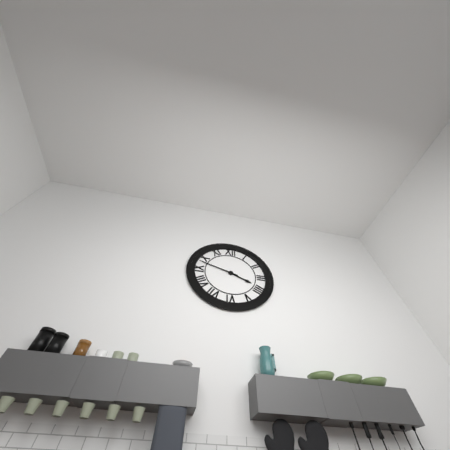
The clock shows h=3 m=48
